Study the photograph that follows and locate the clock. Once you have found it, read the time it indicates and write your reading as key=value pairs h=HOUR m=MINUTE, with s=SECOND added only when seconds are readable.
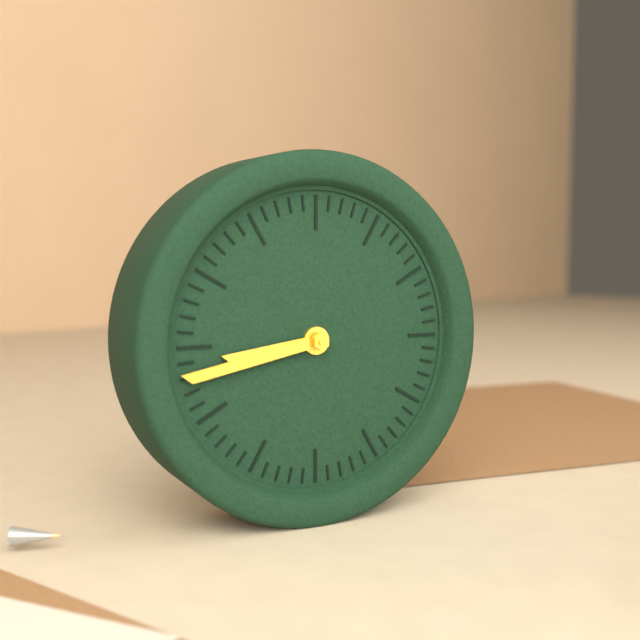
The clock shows h=8 m=43
